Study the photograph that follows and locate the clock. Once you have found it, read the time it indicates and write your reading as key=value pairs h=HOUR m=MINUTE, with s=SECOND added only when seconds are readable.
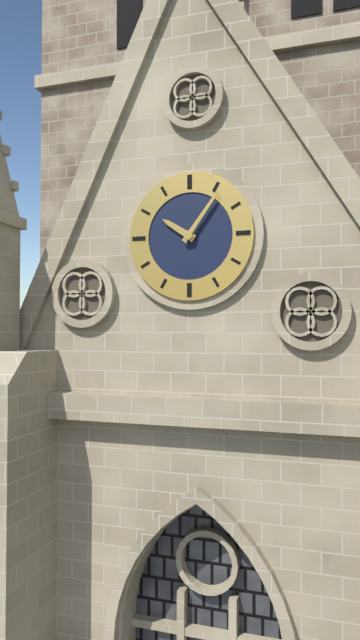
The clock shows h=10 m=6
